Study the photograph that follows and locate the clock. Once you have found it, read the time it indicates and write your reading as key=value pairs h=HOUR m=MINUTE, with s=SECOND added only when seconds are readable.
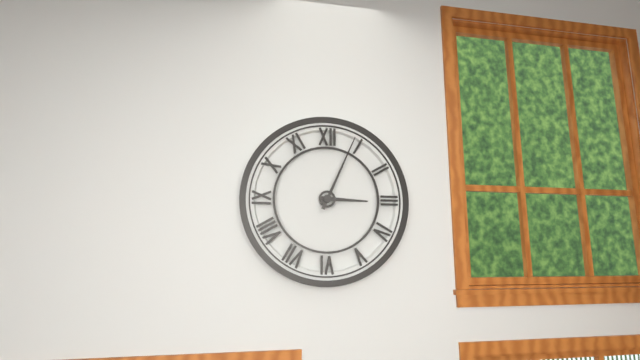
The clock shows h=3 m=4
